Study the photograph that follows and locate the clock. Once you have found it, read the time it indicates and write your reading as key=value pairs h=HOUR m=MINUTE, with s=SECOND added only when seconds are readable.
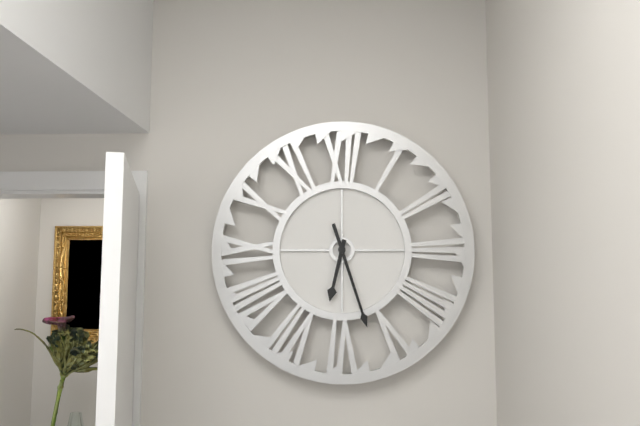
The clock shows h=6 m=27
